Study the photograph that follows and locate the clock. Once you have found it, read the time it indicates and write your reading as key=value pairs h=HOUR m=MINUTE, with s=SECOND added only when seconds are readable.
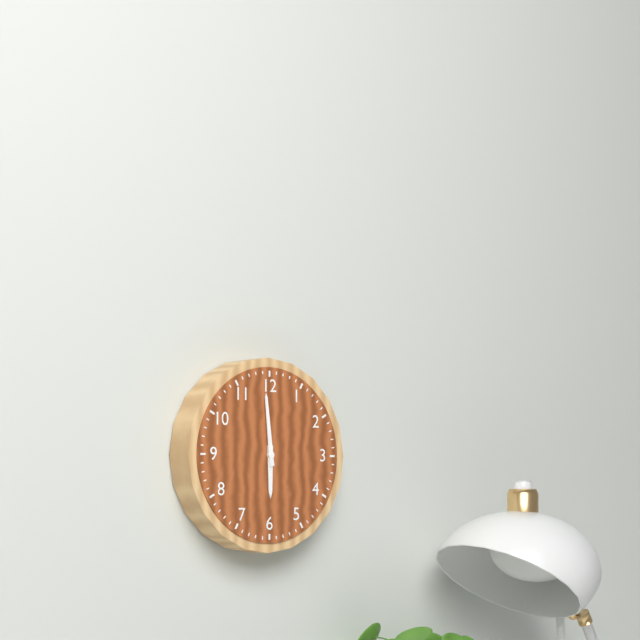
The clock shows h=5 m=59
